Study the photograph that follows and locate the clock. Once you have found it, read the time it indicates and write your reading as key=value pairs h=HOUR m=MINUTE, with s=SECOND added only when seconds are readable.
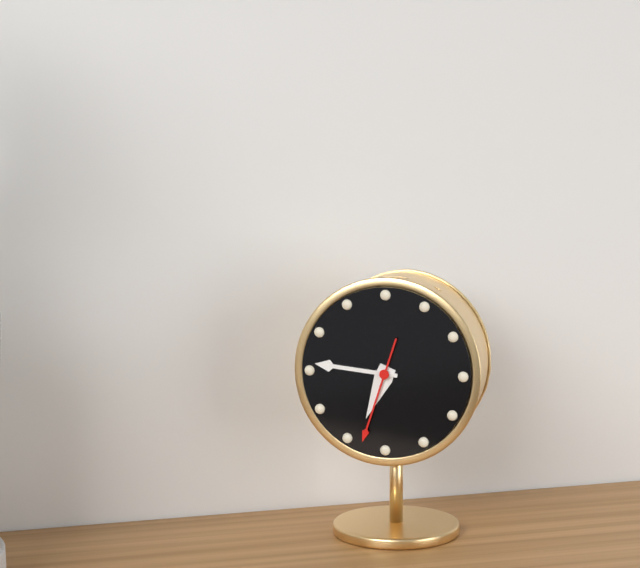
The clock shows h=6 m=46 s=33
